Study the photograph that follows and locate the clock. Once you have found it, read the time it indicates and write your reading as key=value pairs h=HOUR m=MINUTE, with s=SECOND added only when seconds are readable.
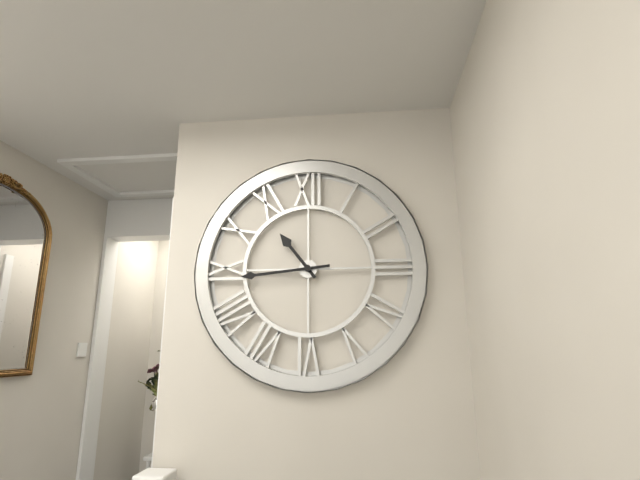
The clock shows h=10 m=44
